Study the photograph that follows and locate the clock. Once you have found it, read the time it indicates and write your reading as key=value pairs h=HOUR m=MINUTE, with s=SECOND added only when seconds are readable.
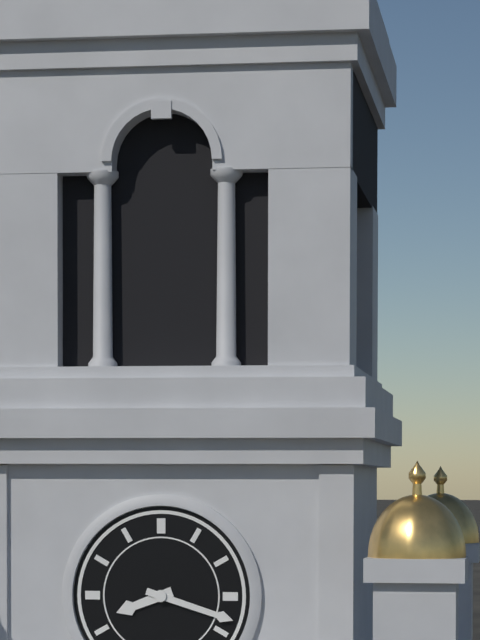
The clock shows h=8 m=18
